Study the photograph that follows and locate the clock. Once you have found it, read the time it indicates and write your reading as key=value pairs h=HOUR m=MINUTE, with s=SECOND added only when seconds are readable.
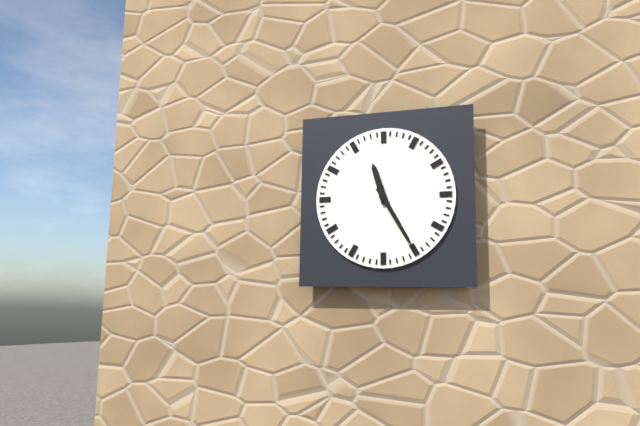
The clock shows h=11 m=25
